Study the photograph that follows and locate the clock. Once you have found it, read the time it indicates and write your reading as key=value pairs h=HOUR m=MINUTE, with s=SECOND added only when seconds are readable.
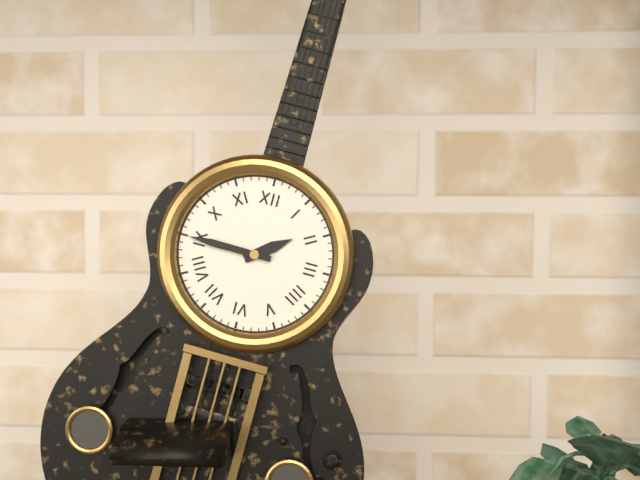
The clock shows h=1 m=45
